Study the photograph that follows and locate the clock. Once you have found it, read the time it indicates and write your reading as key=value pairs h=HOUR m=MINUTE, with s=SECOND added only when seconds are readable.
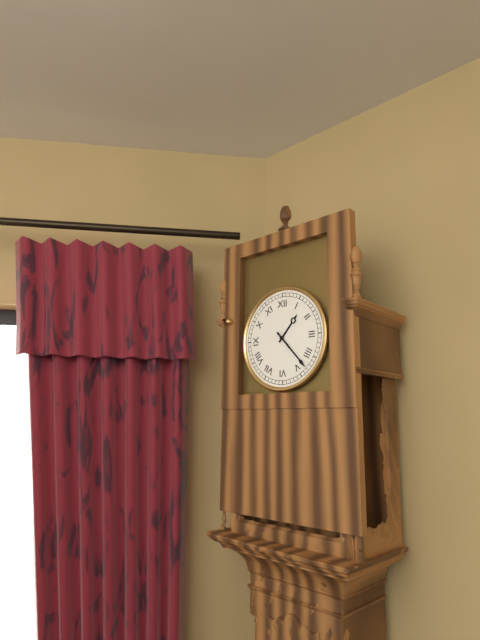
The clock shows h=1 m=23
